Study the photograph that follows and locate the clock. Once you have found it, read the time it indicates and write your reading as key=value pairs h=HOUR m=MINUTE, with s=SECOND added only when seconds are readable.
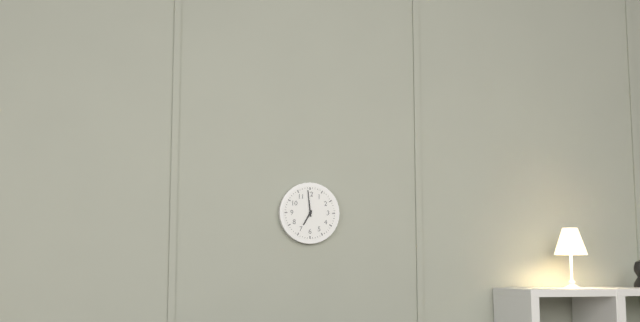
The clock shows h=6 m=59
